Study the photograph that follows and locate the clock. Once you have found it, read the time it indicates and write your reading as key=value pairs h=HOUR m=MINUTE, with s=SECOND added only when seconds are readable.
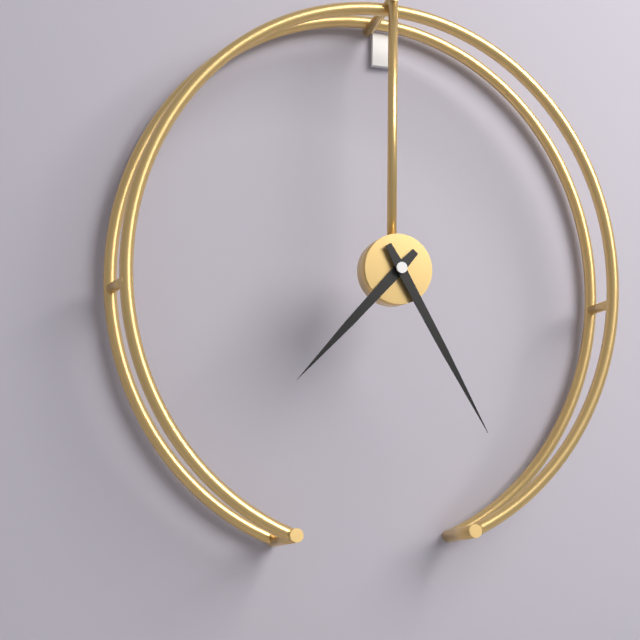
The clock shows h=7 m=25
